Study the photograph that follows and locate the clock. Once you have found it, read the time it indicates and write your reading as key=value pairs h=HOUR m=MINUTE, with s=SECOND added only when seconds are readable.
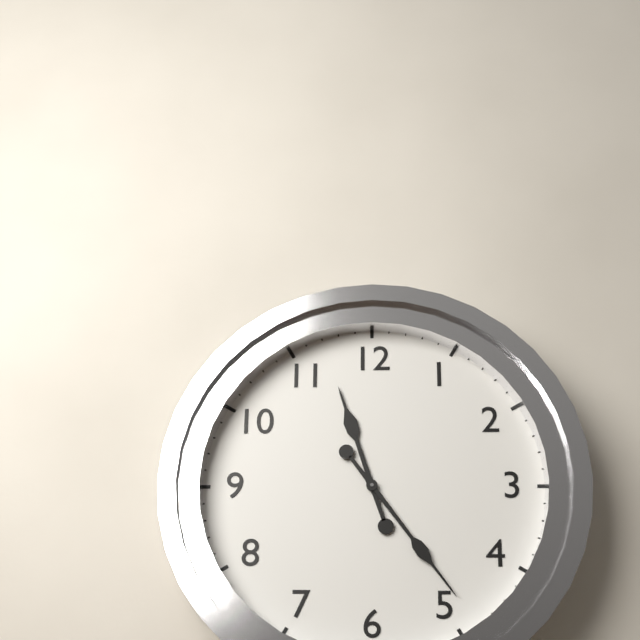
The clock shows h=11 m=24
